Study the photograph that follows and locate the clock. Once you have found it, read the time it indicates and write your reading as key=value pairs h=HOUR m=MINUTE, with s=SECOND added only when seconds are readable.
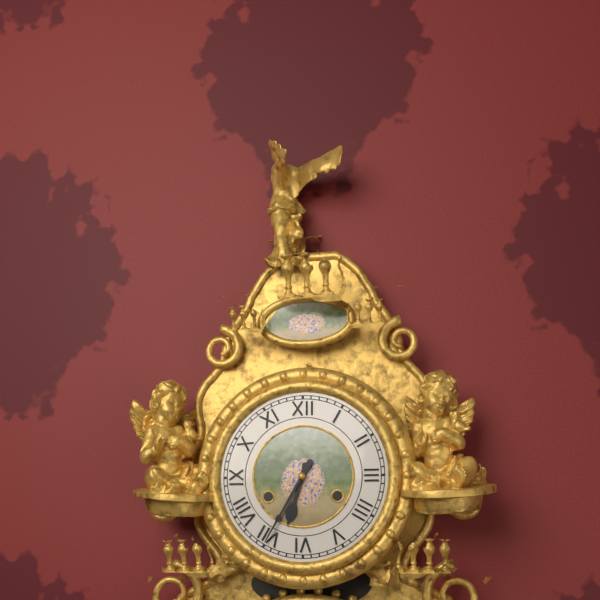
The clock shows h=6 m=35
